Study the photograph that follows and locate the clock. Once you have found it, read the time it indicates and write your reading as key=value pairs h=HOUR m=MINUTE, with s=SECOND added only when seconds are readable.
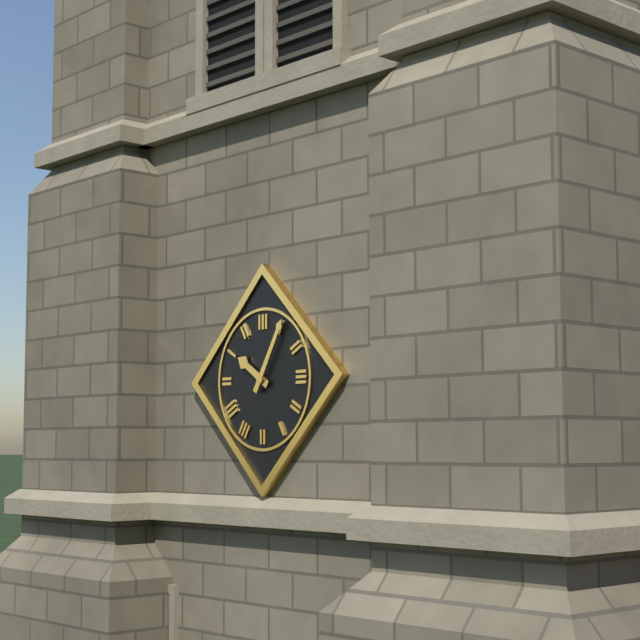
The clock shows h=10 m=5
